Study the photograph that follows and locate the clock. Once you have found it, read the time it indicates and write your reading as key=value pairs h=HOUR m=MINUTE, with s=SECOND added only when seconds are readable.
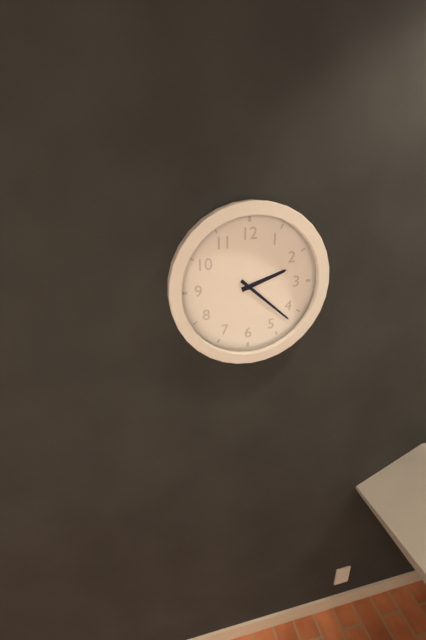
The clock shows h=2 m=22
